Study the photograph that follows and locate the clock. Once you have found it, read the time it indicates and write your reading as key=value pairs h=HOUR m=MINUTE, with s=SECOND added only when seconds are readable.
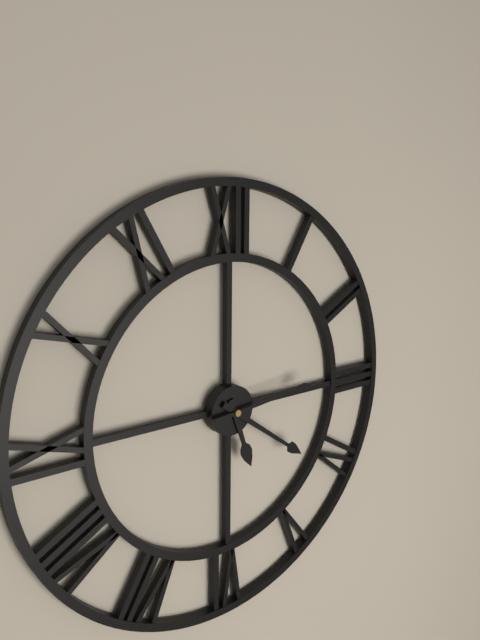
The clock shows h=5 m=21 s=14
